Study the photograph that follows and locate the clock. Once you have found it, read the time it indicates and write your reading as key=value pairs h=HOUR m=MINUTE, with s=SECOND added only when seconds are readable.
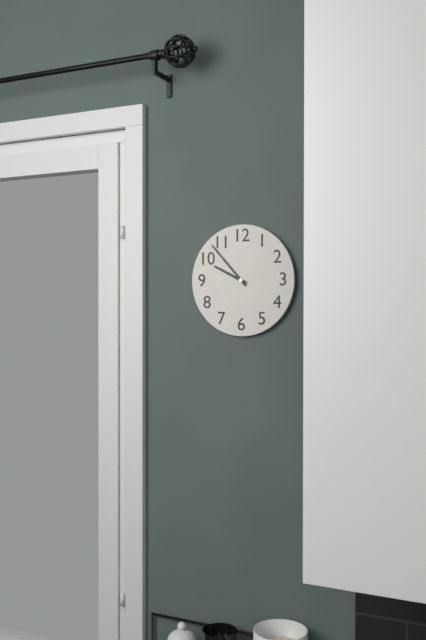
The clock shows h=9 m=53
